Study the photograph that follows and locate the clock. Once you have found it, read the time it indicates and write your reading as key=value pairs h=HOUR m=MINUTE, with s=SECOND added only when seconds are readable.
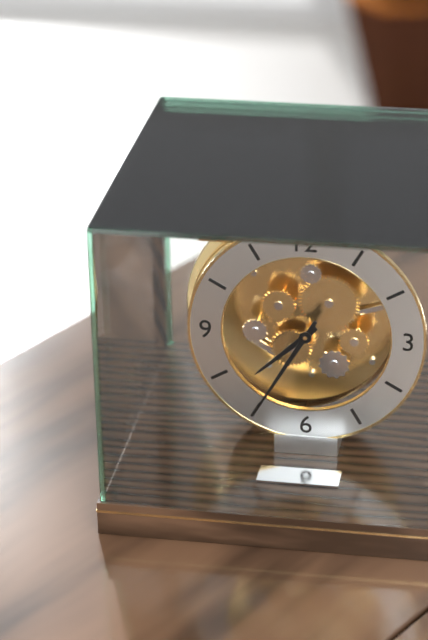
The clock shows h=7 m=35
